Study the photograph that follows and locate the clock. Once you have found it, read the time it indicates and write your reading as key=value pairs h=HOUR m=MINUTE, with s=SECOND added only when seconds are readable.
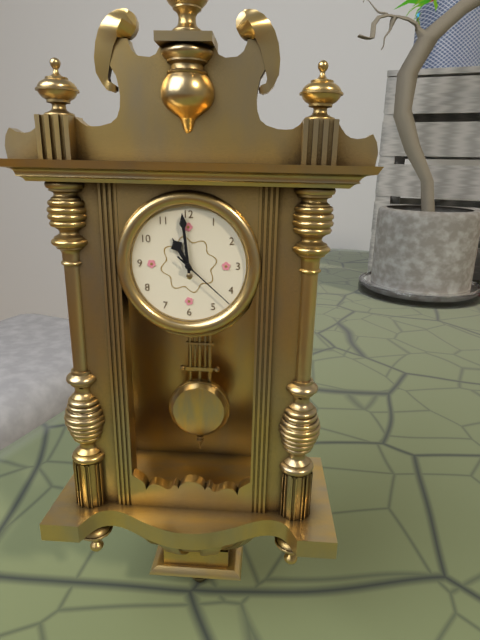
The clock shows h=10 m=59 s=22
